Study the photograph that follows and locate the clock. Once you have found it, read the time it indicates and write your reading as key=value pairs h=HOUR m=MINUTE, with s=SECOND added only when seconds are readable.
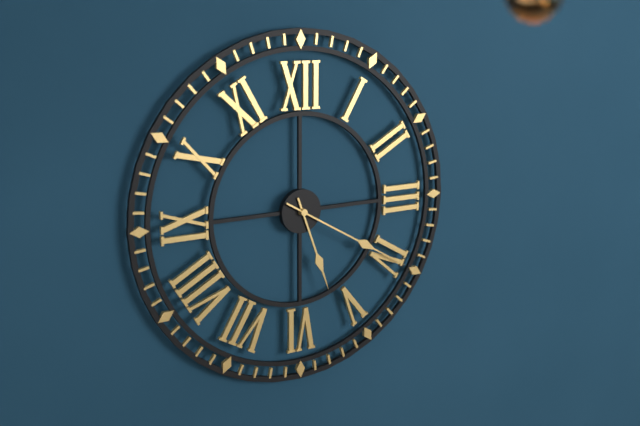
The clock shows h=5 m=20
